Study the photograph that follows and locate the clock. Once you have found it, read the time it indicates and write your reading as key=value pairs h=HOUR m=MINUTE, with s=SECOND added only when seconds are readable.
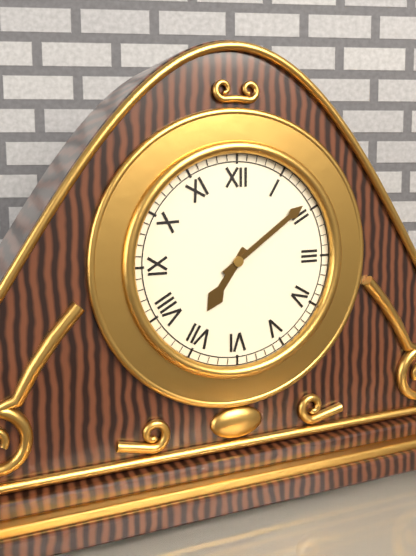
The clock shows h=7 m=9
